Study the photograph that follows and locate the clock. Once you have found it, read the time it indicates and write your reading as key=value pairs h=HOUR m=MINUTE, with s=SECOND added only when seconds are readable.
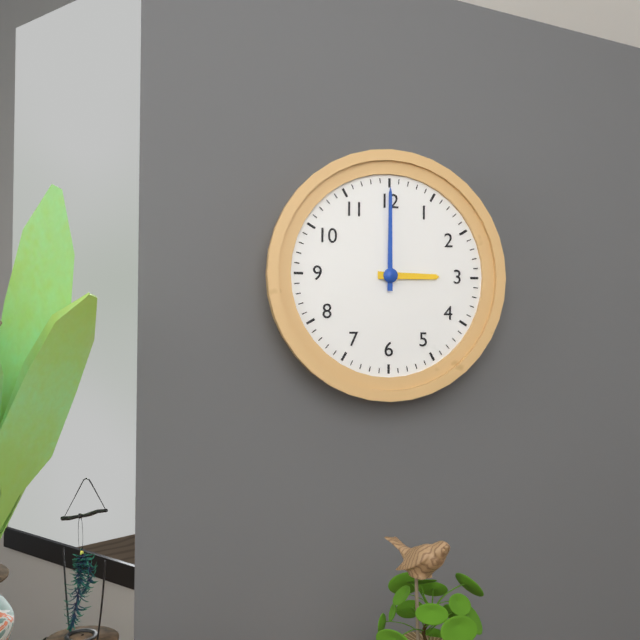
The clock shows h=3 m=0
